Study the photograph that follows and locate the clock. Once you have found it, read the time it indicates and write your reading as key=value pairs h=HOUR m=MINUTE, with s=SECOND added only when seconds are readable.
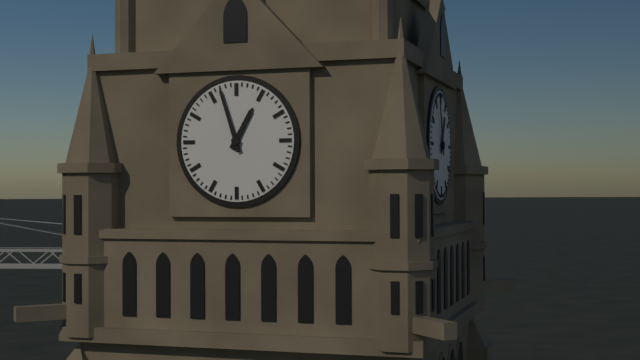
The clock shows h=12 m=57
